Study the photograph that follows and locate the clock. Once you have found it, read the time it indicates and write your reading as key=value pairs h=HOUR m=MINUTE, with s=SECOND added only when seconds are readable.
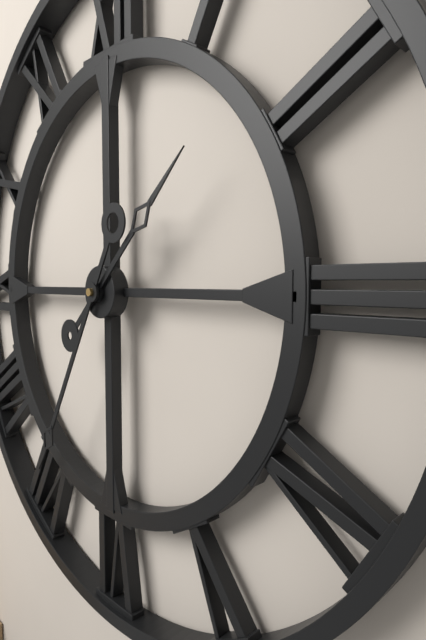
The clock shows h=1 m=35
